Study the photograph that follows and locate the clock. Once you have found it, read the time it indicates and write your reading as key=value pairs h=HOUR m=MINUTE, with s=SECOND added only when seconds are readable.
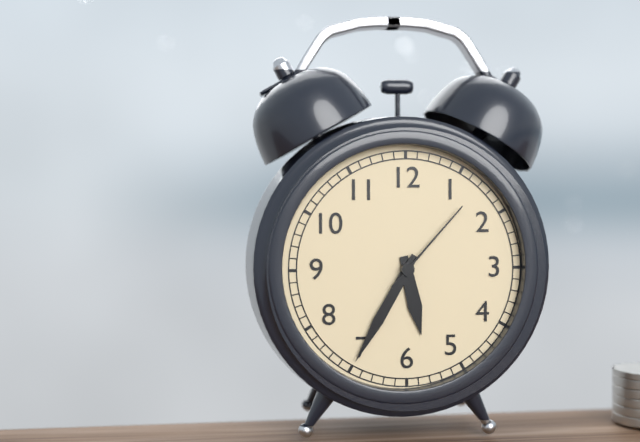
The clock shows h=5 m=35 s=7
